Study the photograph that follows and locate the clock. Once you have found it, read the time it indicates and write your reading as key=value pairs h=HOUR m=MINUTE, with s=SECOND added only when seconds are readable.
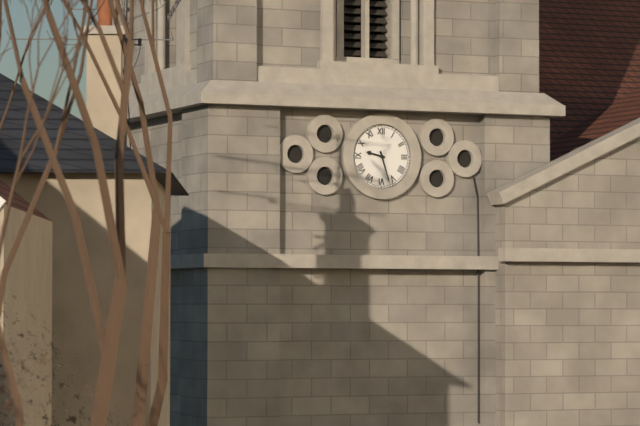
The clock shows h=9 m=27
